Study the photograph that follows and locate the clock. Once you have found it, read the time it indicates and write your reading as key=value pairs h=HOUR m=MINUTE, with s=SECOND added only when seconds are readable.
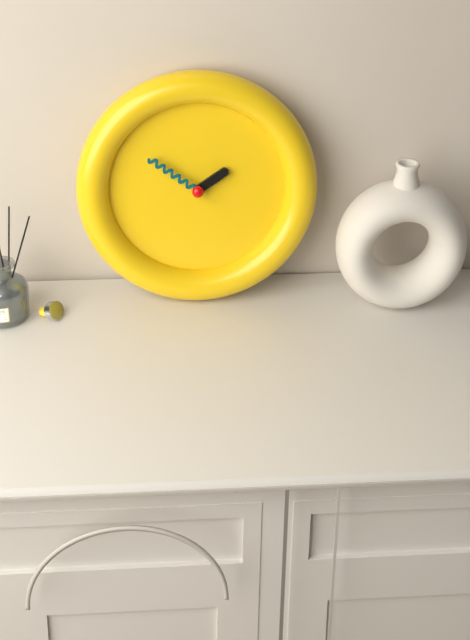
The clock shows h=1 m=51
